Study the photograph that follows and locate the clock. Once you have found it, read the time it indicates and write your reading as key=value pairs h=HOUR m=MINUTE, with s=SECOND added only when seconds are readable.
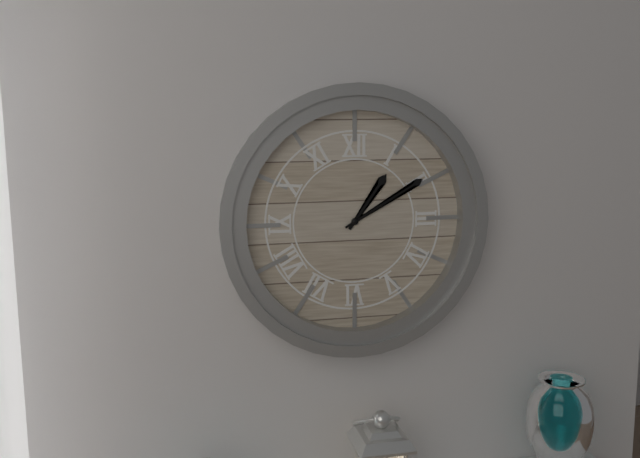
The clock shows h=1 m=10
